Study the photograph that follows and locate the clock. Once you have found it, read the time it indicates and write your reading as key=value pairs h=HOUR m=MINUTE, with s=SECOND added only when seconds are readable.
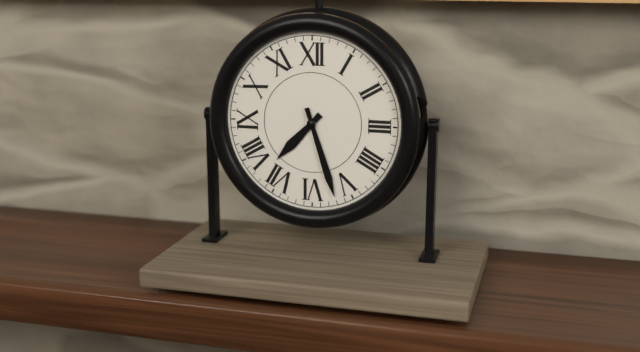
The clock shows h=7 m=27
